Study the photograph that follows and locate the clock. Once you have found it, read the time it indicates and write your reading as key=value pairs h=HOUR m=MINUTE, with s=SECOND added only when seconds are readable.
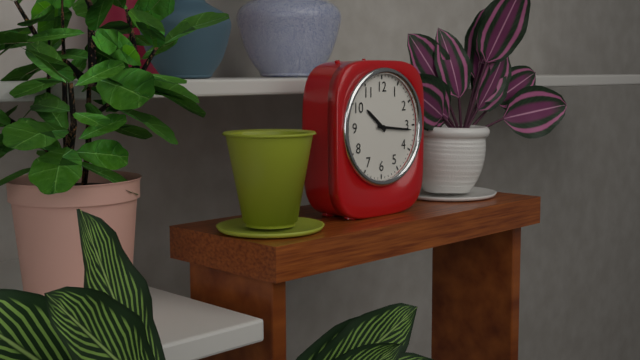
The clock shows h=10 m=16
